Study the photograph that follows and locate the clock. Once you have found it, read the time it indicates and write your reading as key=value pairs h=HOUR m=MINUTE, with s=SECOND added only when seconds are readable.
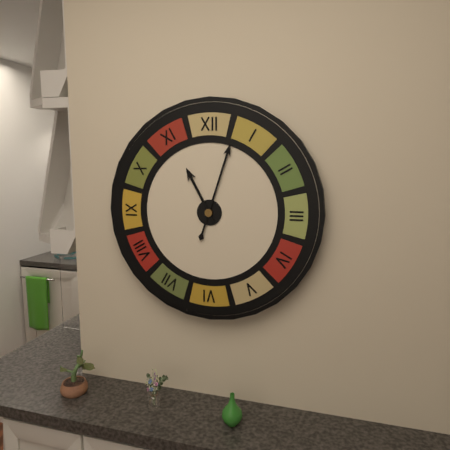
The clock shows h=11 m=3
